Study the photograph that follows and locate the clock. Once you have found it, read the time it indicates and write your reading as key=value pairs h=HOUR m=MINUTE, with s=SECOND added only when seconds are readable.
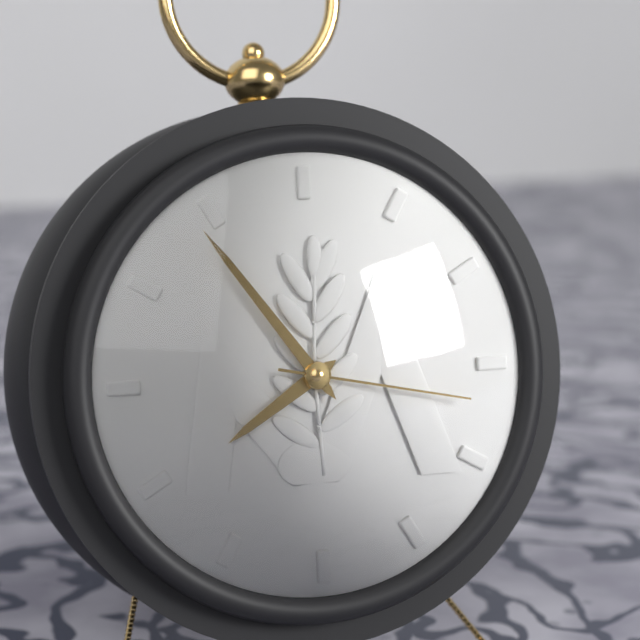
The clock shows h=7 m=54 s=17
